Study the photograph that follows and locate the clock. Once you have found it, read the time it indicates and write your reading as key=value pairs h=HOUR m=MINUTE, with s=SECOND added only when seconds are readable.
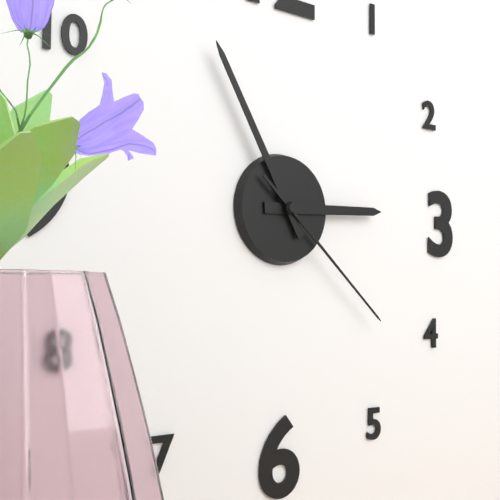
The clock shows h=2 m=55 s=22
